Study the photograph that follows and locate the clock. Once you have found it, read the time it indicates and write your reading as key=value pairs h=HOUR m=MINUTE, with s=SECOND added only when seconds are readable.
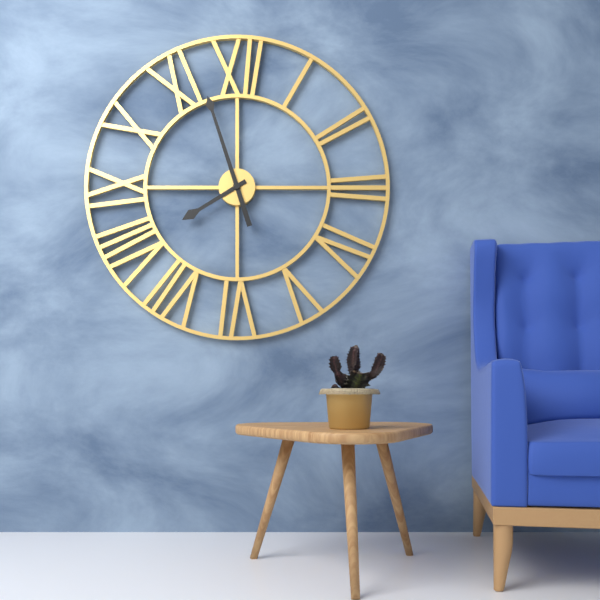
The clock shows h=7 m=57
